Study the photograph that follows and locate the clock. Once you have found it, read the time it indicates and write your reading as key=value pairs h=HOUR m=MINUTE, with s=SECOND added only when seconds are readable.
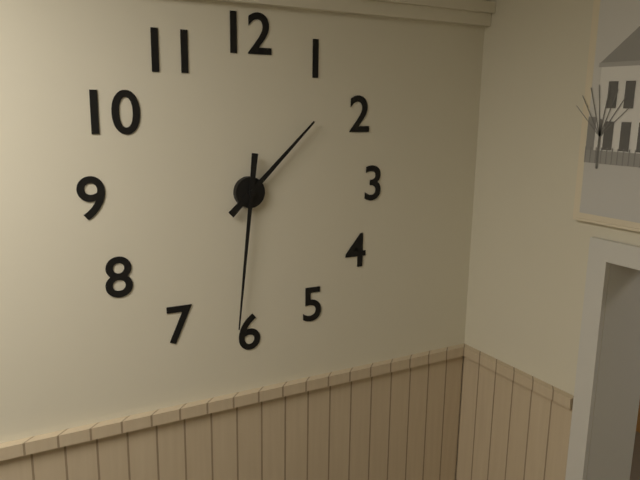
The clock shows h=1 m=31
